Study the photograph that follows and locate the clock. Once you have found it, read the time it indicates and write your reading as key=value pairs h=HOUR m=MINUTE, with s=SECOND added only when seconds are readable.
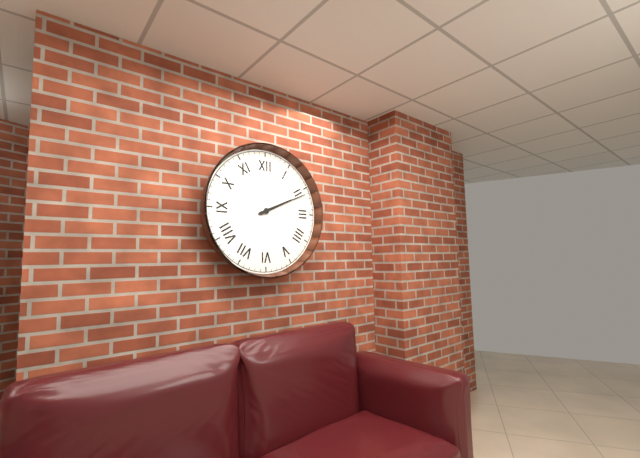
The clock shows h=2 m=11
